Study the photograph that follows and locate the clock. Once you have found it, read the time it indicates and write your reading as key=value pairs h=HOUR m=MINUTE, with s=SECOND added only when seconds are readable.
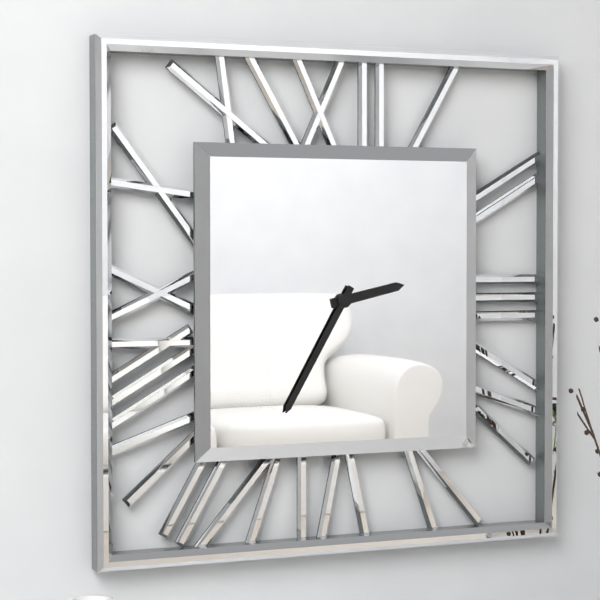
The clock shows h=2 m=35
